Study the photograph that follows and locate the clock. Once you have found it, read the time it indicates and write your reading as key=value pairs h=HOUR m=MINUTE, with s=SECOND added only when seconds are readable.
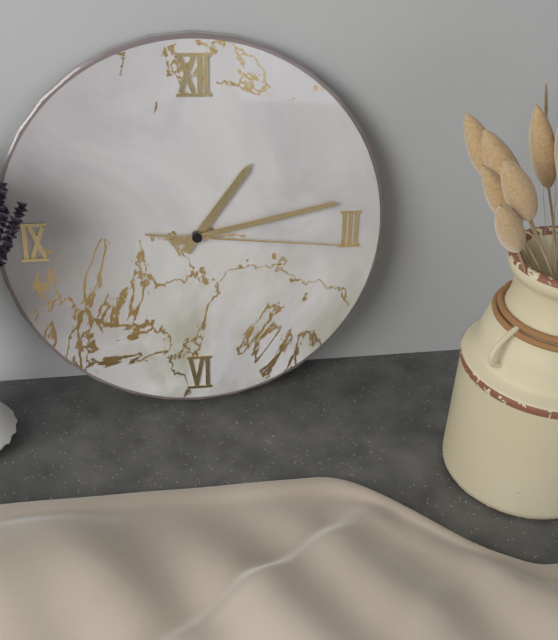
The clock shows h=1 m=13 s=16
